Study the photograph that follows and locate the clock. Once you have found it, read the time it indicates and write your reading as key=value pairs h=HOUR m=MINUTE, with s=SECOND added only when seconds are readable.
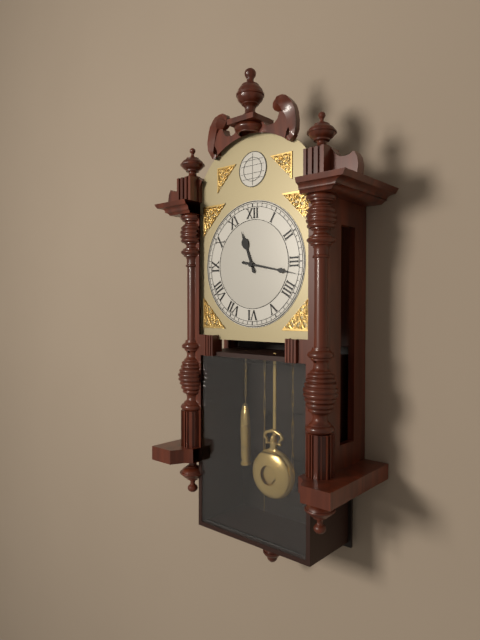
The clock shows h=11 m=17
